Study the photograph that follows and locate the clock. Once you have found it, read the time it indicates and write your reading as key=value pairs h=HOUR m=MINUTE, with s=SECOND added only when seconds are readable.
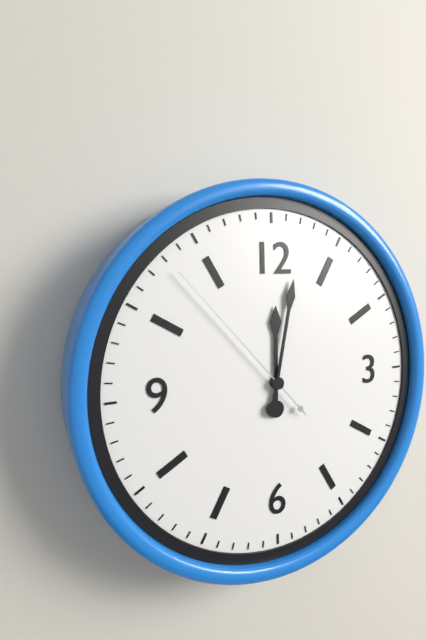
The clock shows h=12 m=2 s=53
